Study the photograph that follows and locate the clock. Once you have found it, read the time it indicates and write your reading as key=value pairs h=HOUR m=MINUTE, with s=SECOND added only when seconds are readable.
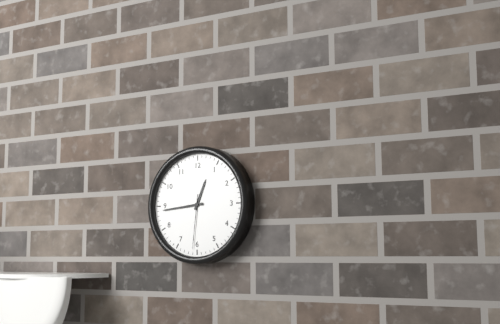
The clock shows h=12 m=44 s=31
